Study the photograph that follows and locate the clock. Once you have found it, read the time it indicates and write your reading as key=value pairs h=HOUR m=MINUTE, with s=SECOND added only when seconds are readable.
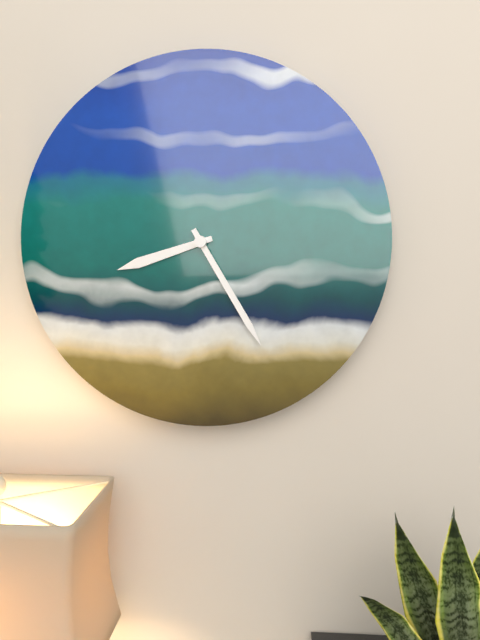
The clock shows h=8 m=25
